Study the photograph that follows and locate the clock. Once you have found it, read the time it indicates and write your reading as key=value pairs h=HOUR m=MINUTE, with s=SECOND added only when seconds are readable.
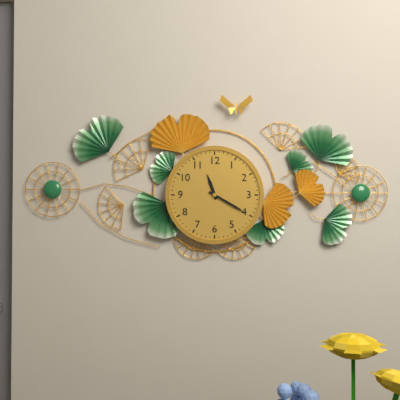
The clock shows h=11 m=20
